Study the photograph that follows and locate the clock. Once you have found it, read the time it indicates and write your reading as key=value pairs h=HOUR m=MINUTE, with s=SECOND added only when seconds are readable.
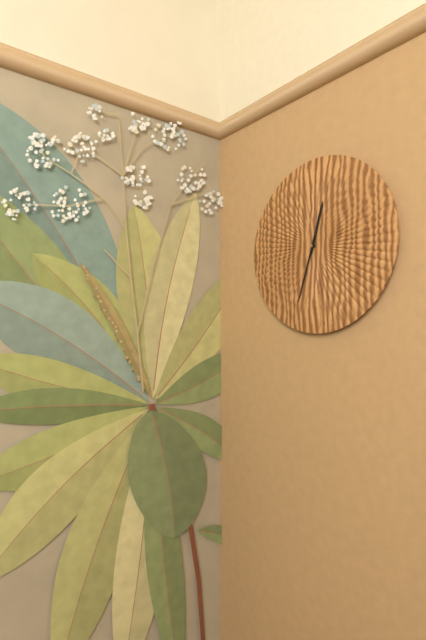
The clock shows h=12 m=33
